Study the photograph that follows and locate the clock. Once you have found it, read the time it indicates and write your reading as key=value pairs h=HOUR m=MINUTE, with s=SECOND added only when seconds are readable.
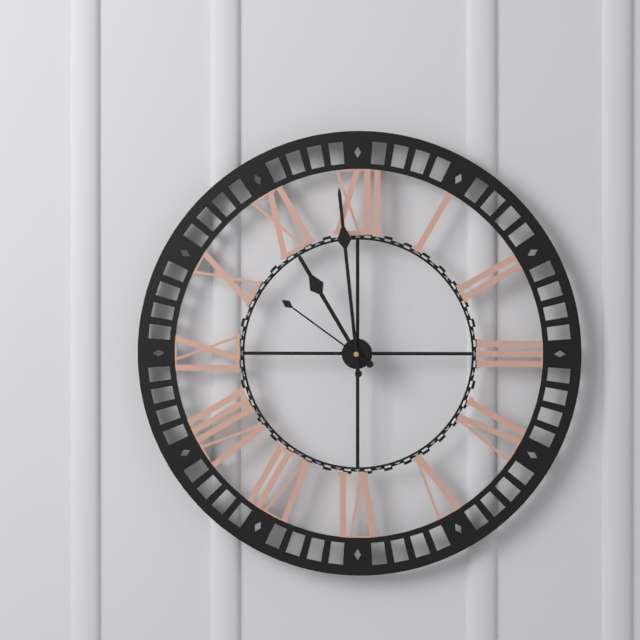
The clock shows h=10 m=59 s=51
